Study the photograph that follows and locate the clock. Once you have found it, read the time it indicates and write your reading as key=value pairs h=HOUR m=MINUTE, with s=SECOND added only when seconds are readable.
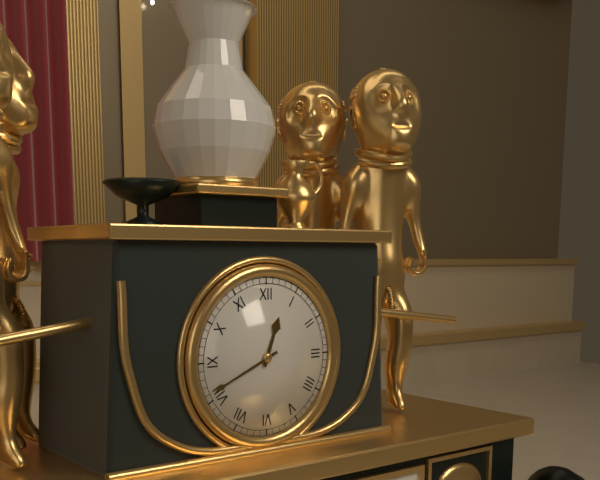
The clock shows h=12 m=41
